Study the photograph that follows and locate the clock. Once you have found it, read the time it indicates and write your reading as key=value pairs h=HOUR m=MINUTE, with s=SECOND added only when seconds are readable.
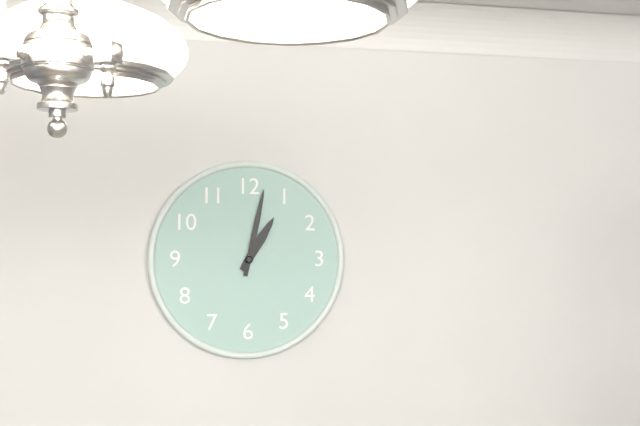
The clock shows h=1 m=2
